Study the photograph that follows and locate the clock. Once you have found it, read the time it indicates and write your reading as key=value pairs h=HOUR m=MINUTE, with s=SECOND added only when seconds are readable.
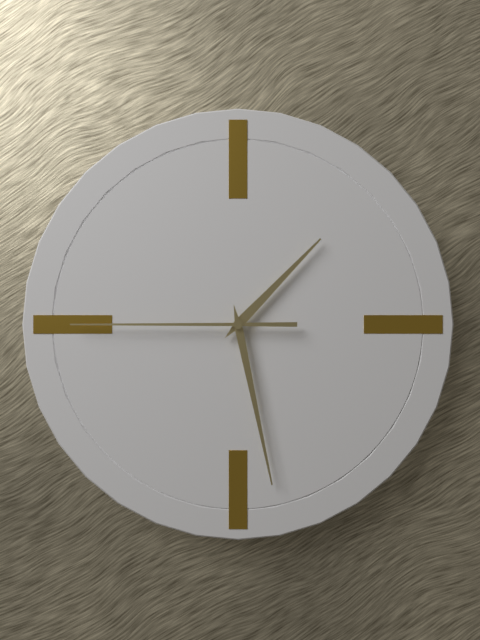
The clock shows h=1 m=28 s=45
